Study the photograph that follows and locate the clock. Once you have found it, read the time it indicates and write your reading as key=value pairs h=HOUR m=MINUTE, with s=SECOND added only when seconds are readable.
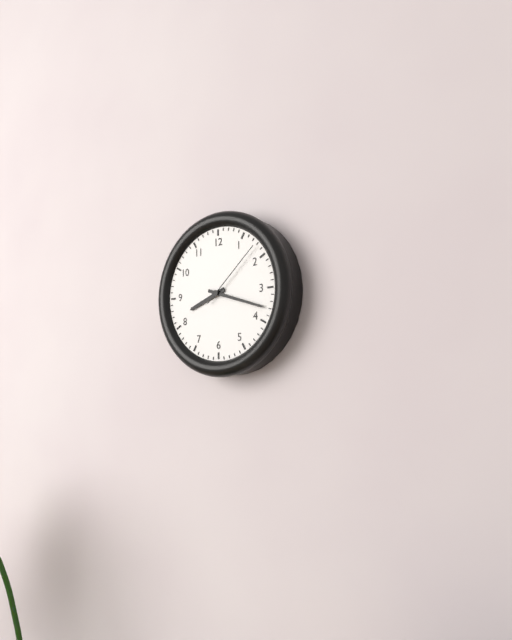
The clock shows h=8 m=18 s=8
